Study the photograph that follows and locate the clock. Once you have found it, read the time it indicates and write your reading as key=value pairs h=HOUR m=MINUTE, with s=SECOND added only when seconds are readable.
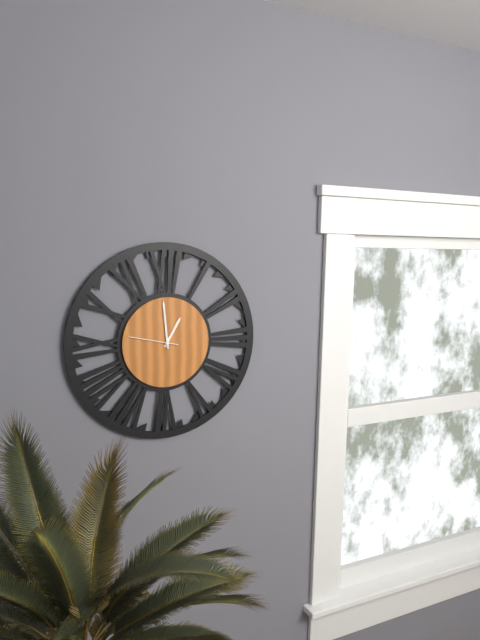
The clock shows h=12 m=59
